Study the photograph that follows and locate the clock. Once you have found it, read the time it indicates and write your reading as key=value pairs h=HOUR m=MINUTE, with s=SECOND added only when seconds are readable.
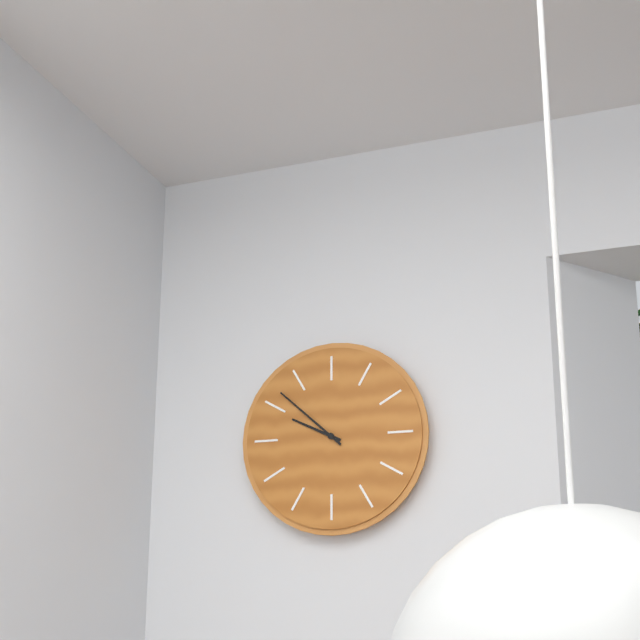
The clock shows h=9 m=52
